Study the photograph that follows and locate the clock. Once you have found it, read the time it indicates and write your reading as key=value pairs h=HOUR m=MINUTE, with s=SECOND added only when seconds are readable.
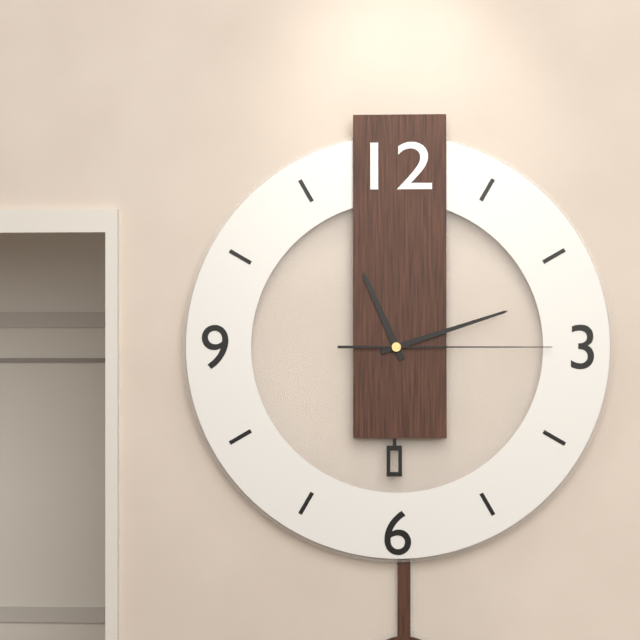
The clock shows h=11 m=12 s=15
